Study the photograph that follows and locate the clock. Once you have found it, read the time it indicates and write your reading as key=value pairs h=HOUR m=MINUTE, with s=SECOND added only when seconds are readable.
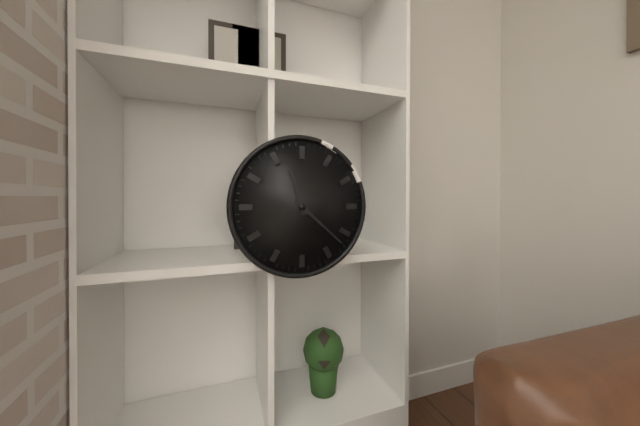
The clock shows h=11 m=22
